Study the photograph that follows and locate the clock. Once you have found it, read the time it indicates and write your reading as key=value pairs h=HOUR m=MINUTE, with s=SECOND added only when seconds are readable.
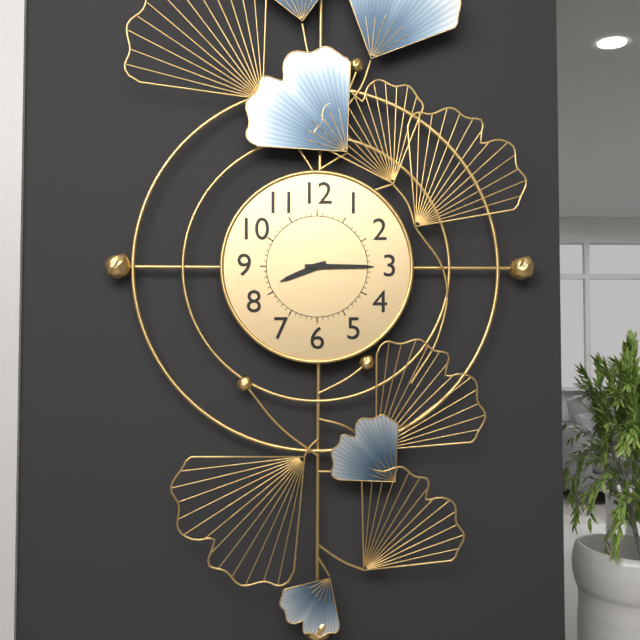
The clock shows h=8 m=15
